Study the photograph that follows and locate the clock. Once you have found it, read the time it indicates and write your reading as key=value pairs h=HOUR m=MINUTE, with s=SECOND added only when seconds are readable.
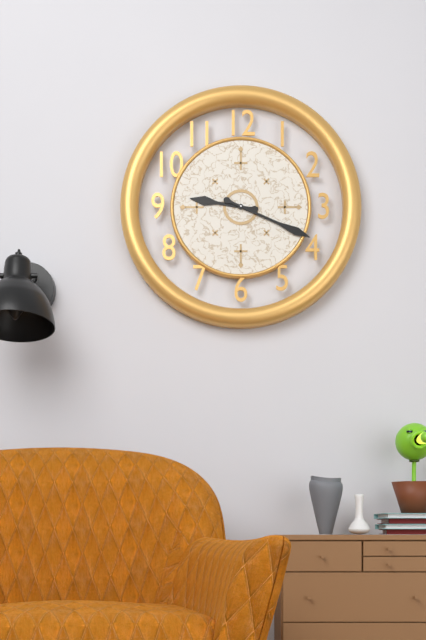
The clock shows h=9 m=19
